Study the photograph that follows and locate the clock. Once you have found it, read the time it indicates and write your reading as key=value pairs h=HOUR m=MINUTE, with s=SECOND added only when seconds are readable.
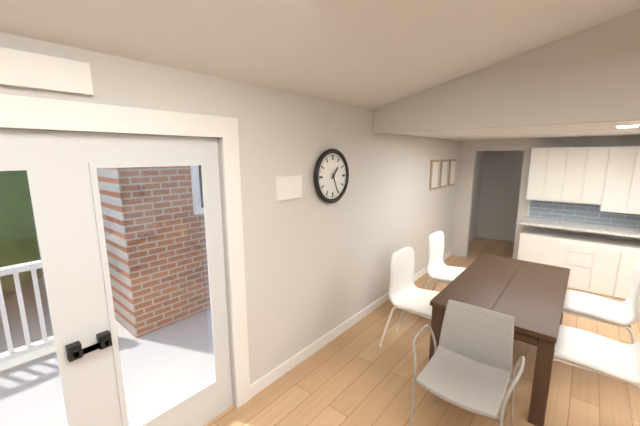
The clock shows h=1 m=26
